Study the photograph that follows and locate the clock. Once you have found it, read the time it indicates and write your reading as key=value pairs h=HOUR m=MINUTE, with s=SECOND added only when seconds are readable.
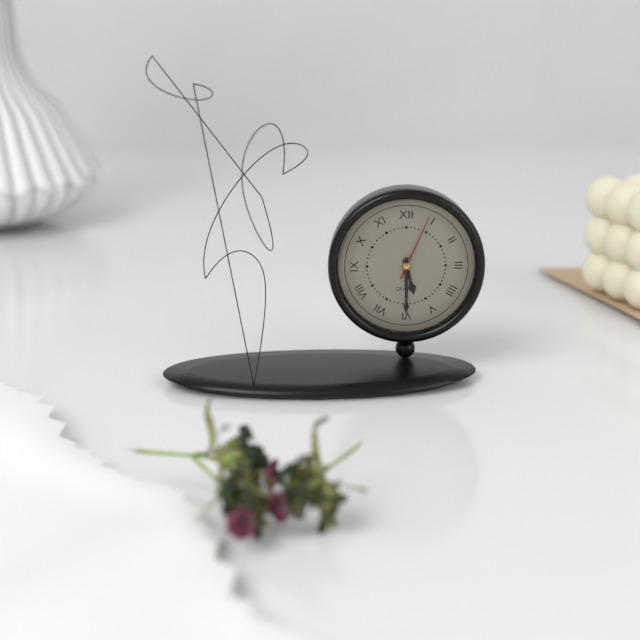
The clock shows h=5 m=30 s=4
